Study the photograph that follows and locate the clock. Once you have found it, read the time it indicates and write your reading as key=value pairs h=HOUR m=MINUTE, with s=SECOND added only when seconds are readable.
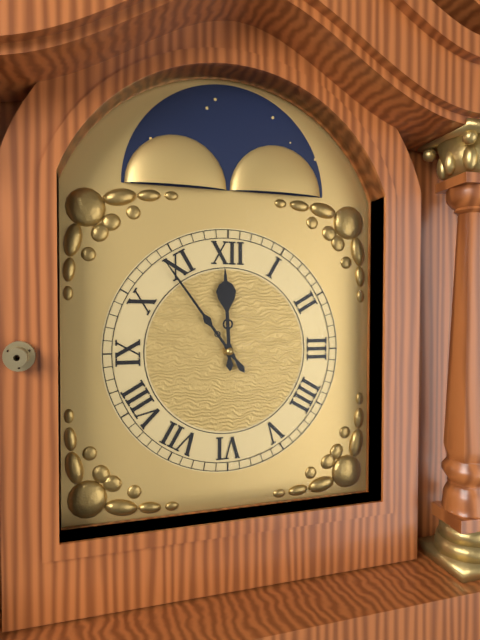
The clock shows h=11 m=54
